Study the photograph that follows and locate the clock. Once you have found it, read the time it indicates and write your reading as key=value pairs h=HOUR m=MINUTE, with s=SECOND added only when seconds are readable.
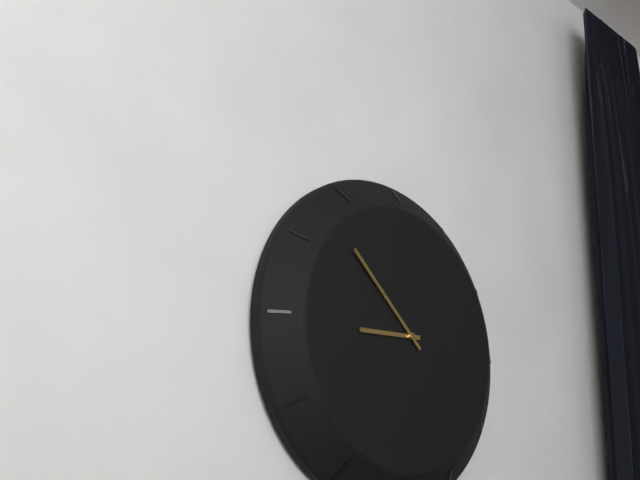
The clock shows h=8 m=52
